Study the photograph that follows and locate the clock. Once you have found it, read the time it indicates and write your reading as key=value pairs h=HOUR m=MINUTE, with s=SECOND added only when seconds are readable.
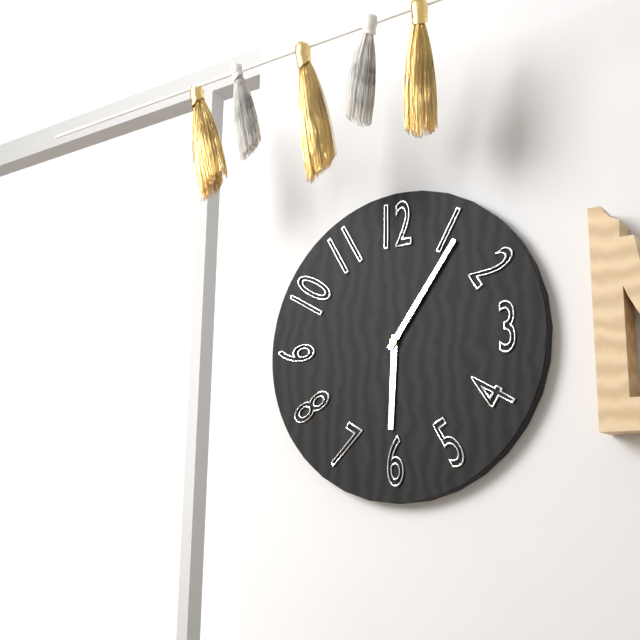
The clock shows h=6 m=6
